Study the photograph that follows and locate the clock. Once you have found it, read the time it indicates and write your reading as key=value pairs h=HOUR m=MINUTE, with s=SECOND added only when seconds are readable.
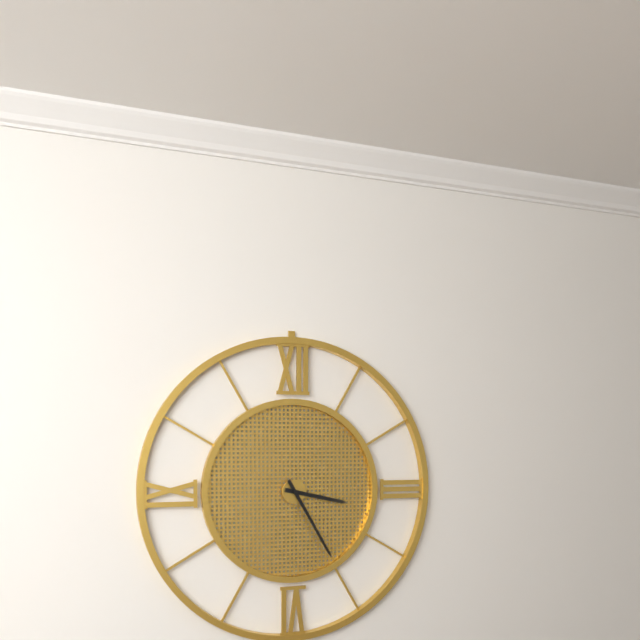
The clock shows h=3 m=25
